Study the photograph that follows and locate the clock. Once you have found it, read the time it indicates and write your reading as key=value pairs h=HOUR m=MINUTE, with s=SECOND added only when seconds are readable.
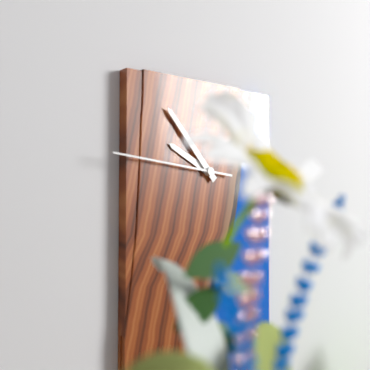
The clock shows h=9 m=53 s=46
